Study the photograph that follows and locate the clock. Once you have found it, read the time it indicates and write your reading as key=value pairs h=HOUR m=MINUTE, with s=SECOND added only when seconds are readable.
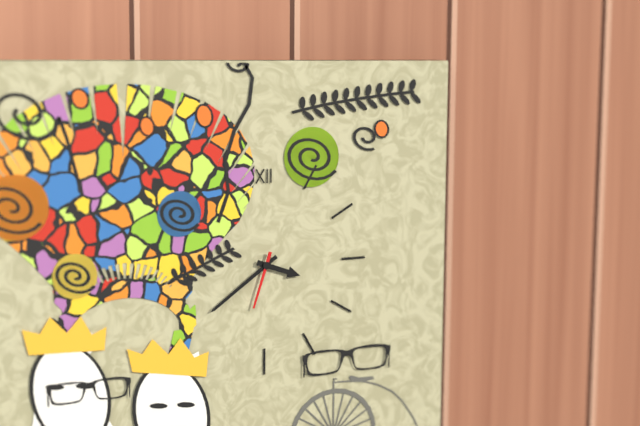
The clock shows h=3 m=39 s=33
